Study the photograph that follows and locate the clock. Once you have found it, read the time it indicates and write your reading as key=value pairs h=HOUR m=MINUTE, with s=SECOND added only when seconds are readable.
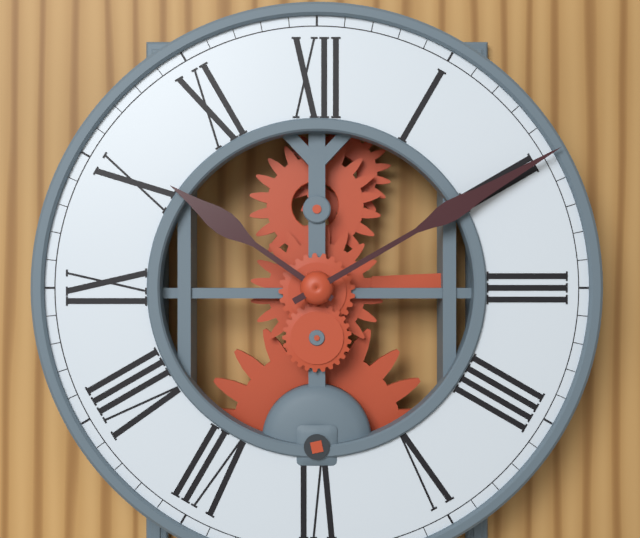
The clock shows h=10 m=10
